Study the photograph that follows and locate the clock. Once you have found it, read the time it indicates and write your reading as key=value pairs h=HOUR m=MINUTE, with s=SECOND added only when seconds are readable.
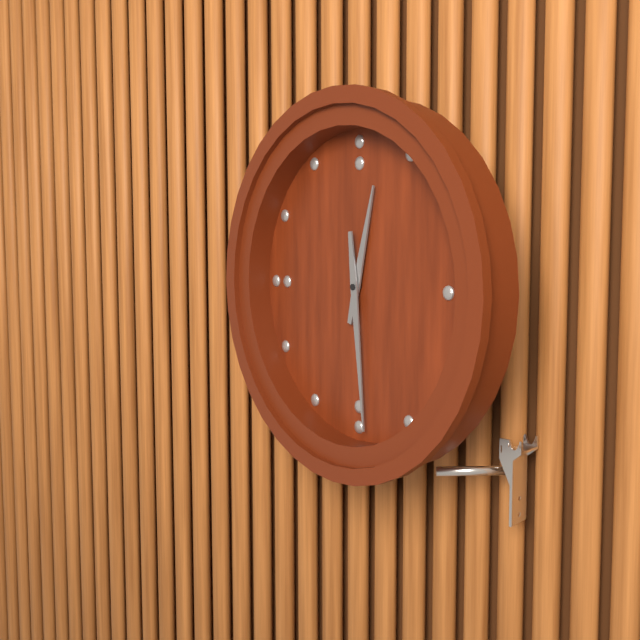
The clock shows h=12 m=29
